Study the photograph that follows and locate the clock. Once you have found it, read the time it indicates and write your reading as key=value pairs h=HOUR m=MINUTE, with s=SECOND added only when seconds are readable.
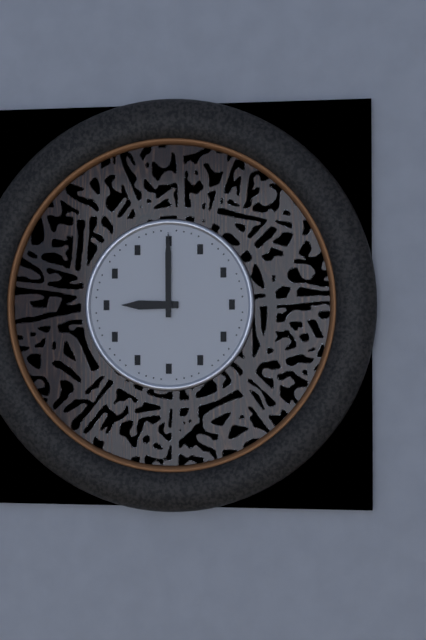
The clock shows h=9 m=0
